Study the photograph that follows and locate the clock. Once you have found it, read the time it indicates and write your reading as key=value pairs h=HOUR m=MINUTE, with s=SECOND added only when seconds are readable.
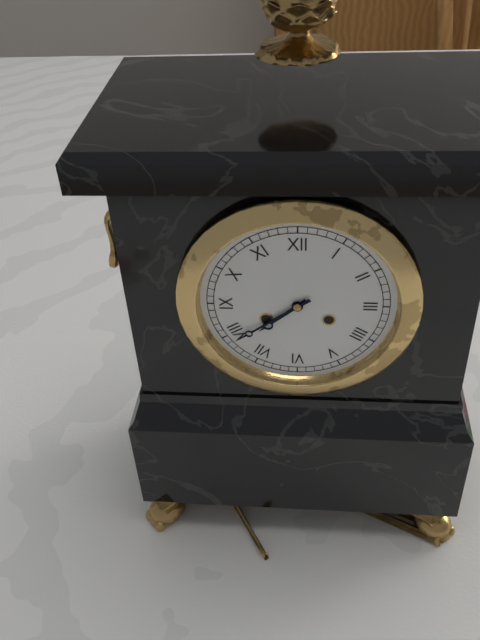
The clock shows h=7 m=39
